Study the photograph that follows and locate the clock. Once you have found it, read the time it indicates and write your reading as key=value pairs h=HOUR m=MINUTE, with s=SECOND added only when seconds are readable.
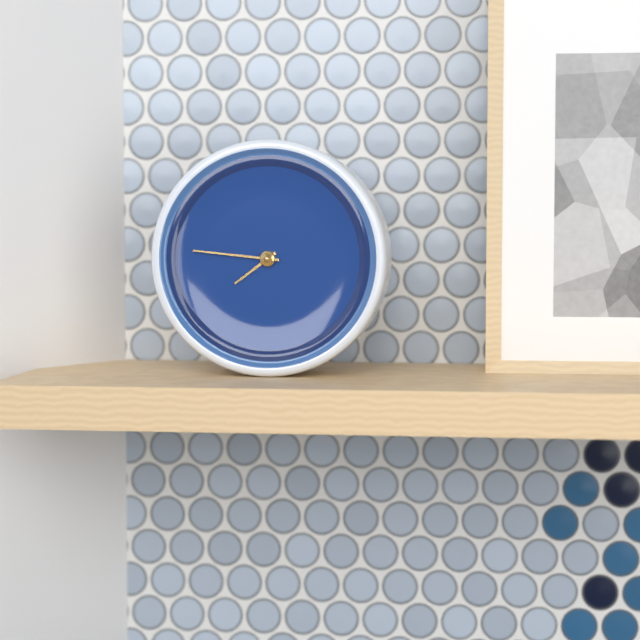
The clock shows h=7 m=46
